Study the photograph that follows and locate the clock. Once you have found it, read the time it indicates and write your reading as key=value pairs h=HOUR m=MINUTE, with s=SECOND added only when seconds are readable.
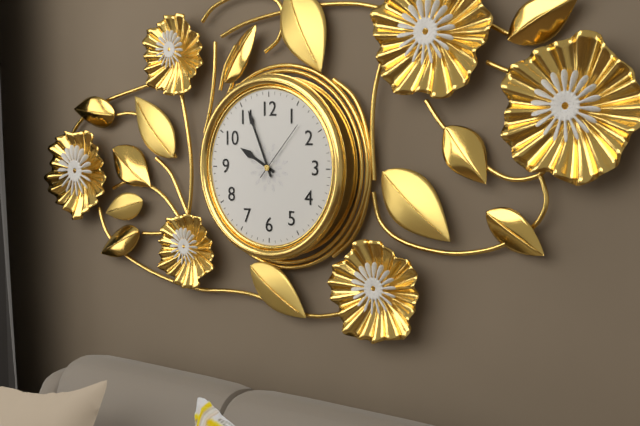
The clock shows h=9 m=56 s=7
